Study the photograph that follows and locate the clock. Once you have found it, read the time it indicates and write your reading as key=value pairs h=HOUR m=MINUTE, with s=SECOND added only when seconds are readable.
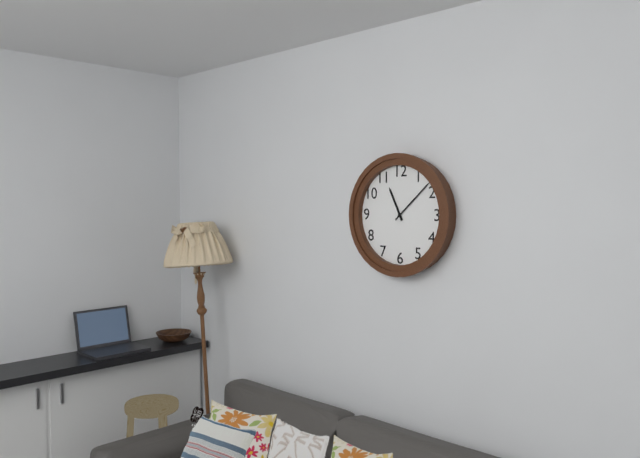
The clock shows h=11 m=8
